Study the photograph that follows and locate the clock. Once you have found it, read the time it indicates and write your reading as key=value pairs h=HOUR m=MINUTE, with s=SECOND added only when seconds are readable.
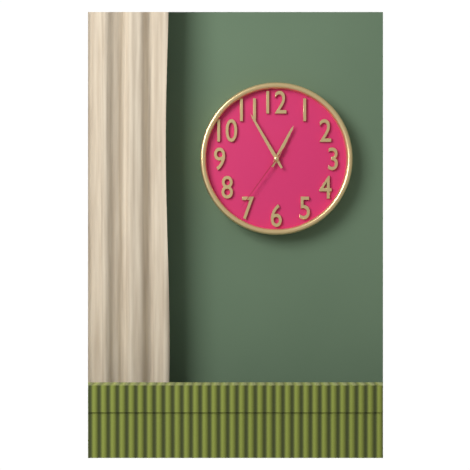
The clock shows h=12 m=55 s=36
